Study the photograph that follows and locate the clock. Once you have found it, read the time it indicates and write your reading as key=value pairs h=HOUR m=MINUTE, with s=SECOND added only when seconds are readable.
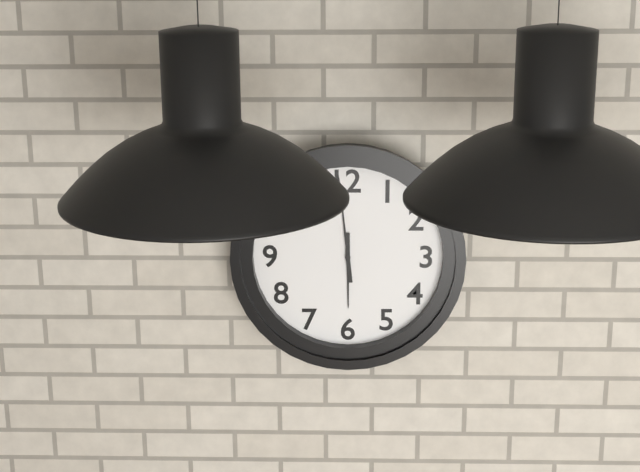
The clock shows h=5 m=59
